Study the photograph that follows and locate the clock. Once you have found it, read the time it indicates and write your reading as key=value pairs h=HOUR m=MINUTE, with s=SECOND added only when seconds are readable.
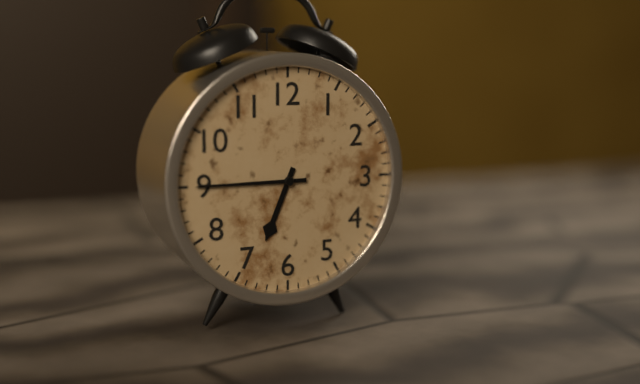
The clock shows h=6 m=45
